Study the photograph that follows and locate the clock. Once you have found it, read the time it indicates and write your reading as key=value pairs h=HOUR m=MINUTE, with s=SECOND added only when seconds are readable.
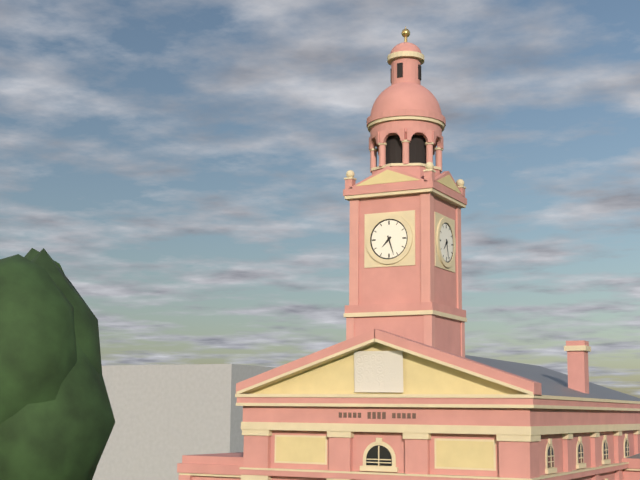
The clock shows h=7 m=27
